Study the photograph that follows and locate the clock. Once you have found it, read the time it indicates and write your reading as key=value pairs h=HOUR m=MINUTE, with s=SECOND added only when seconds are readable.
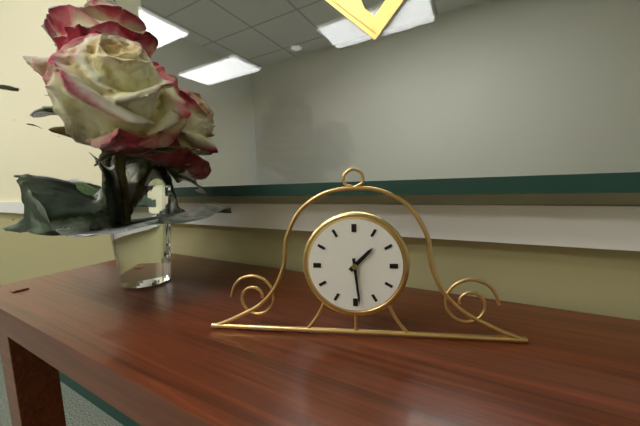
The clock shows h=1 m=29
